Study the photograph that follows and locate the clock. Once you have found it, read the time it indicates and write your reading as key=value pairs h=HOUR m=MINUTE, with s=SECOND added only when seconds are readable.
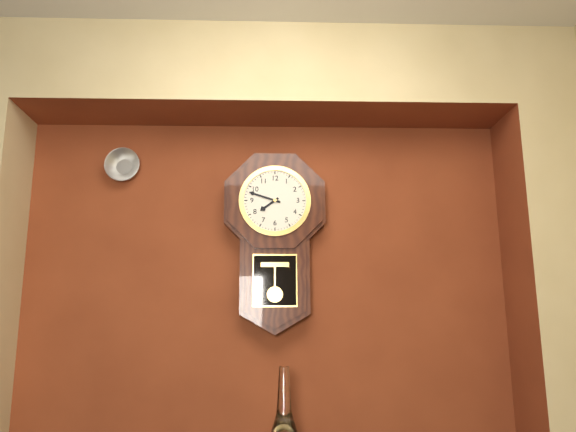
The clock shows h=7 m=48
